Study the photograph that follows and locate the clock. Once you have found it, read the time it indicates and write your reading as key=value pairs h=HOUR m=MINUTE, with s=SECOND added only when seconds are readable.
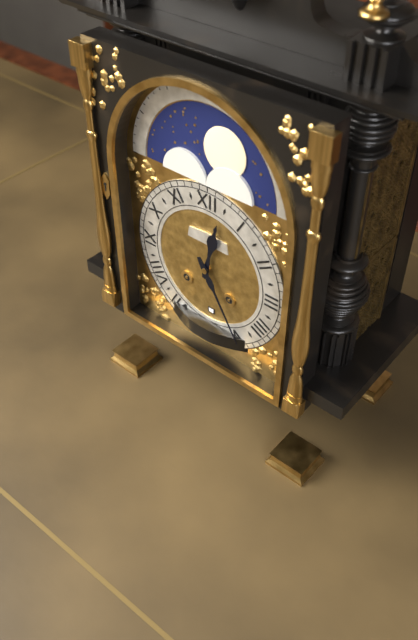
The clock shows h=12 m=25
